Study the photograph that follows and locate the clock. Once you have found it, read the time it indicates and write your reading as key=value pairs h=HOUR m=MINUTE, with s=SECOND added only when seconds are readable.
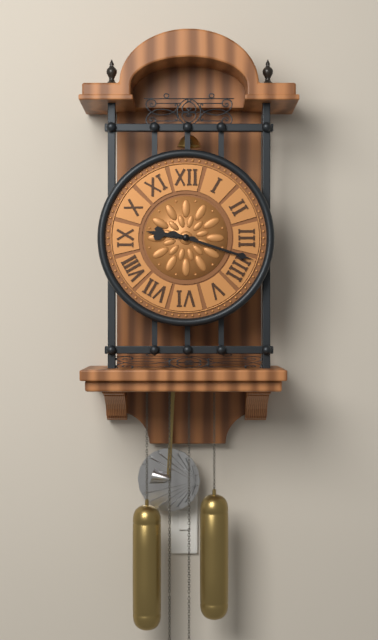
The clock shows h=9 m=18
